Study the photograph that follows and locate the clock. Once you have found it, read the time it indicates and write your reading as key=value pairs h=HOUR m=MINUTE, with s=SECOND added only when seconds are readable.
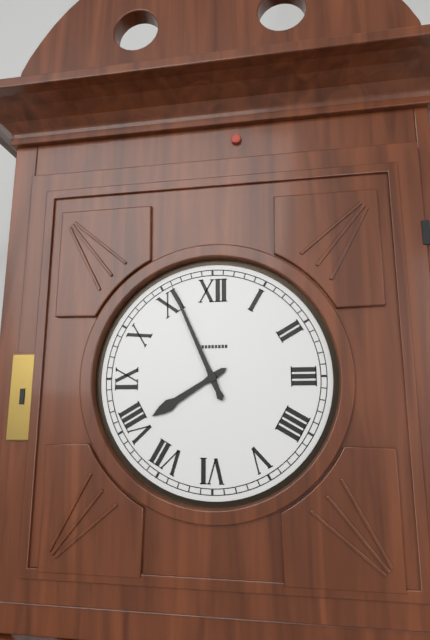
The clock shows h=7 m=56
